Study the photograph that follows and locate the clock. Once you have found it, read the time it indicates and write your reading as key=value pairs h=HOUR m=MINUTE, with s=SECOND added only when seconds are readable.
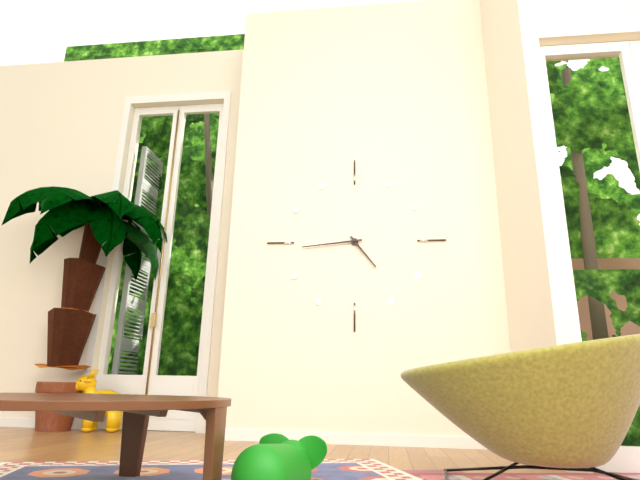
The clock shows h=4 m=44
